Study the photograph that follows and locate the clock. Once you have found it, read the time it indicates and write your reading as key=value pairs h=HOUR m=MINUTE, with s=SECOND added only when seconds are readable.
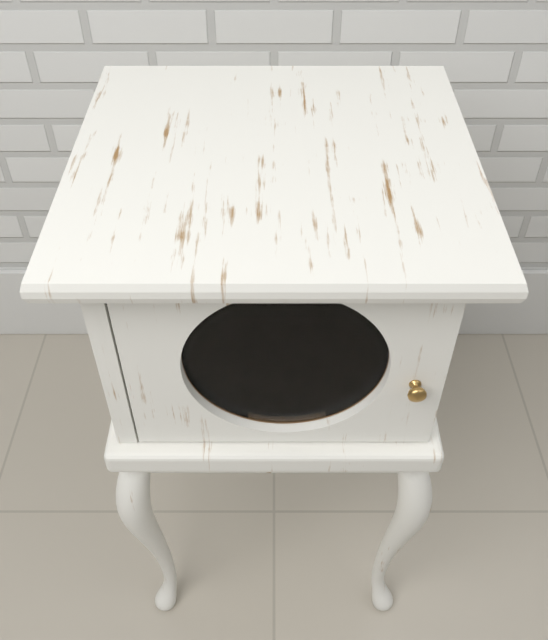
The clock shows h=9 m=23 s=41
